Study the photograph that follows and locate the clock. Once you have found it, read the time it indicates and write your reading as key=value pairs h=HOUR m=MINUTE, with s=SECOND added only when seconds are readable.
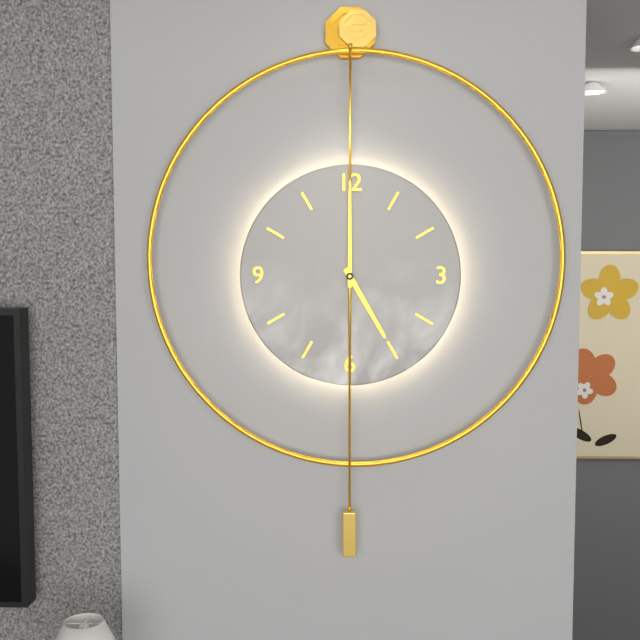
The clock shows h=5 m=0
